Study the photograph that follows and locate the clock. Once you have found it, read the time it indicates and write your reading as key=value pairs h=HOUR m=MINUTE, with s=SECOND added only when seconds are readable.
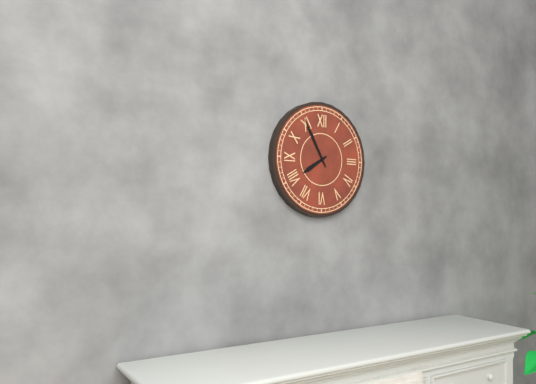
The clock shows h=7 m=55
